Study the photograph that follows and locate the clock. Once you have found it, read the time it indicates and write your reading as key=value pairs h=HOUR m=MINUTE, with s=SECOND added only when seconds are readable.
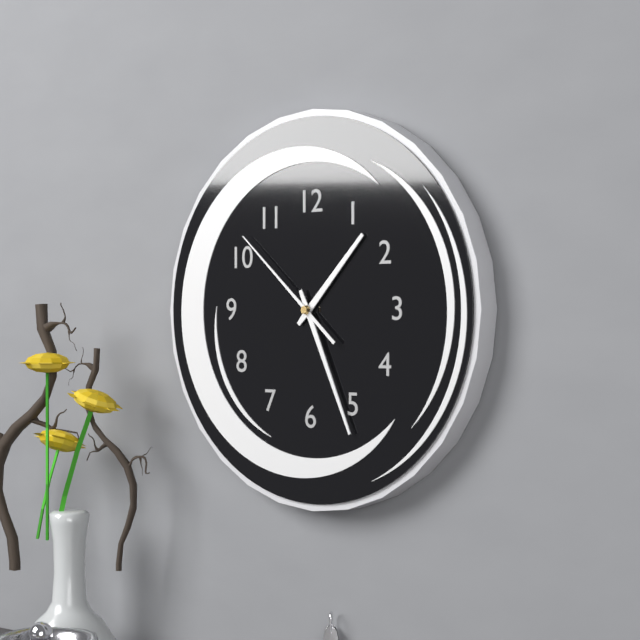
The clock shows h=1 m=26 s=52
